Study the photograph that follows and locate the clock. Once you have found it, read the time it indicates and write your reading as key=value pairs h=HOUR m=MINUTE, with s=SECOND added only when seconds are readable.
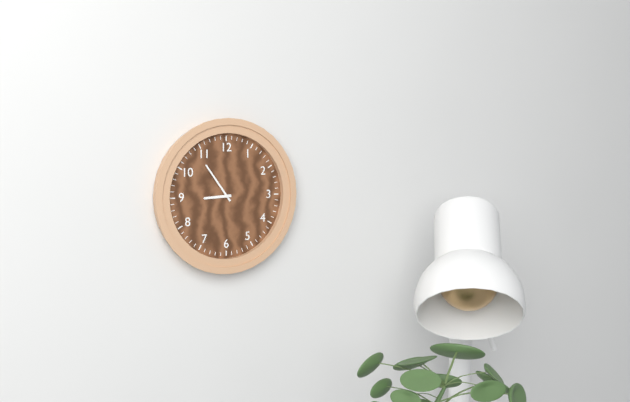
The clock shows h=8 m=54
